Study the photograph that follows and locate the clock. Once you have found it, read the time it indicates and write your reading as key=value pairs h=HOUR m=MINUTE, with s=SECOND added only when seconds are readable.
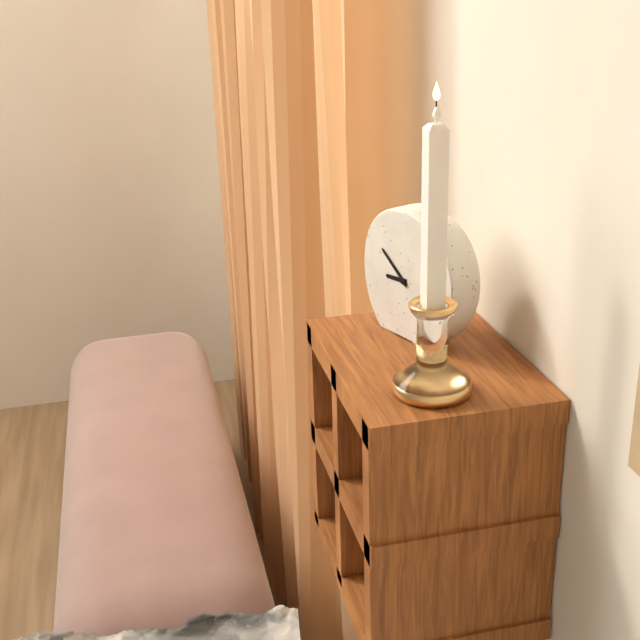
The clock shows h=8 m=51
